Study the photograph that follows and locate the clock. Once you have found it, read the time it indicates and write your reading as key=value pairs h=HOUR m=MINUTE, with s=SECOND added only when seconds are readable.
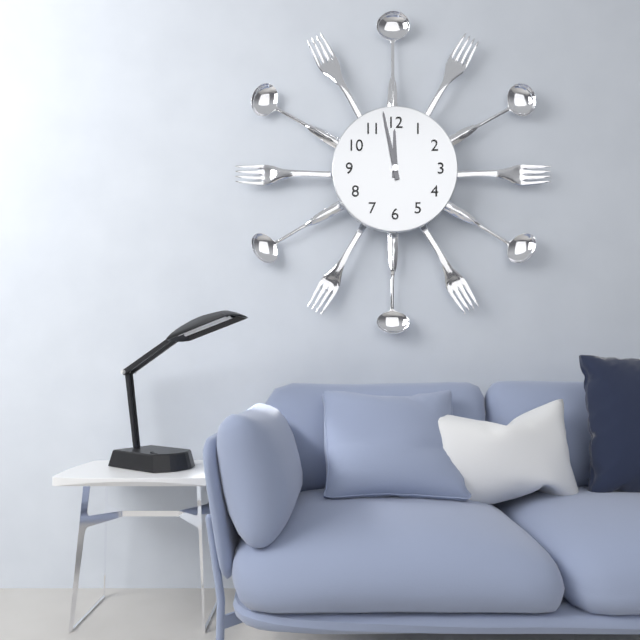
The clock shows h=11 m=58
